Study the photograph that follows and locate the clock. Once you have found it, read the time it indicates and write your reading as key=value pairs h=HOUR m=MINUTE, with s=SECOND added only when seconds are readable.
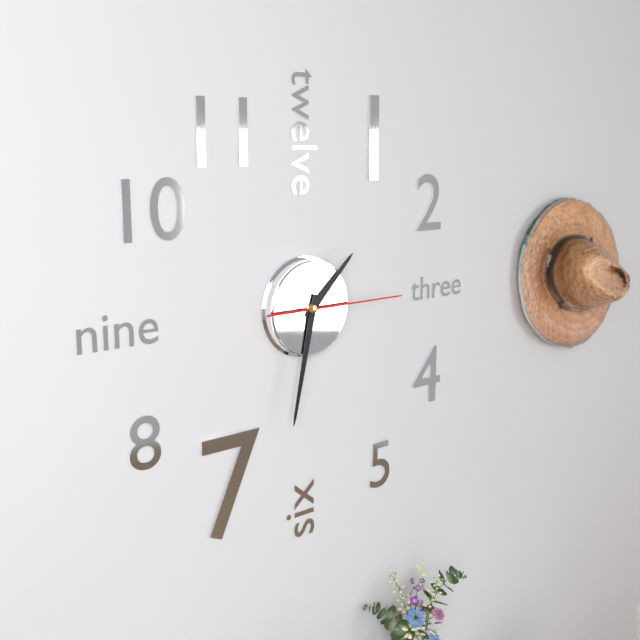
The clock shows h=1 m=32 s=15
